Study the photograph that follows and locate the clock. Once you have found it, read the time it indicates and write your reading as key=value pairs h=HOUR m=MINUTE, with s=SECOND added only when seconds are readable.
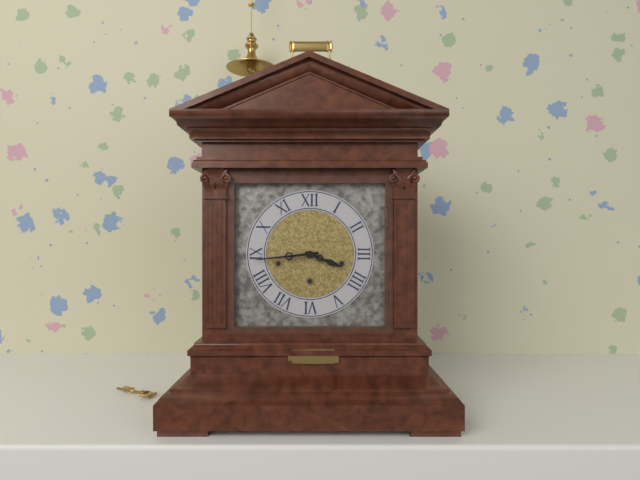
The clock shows h=3 m=44
